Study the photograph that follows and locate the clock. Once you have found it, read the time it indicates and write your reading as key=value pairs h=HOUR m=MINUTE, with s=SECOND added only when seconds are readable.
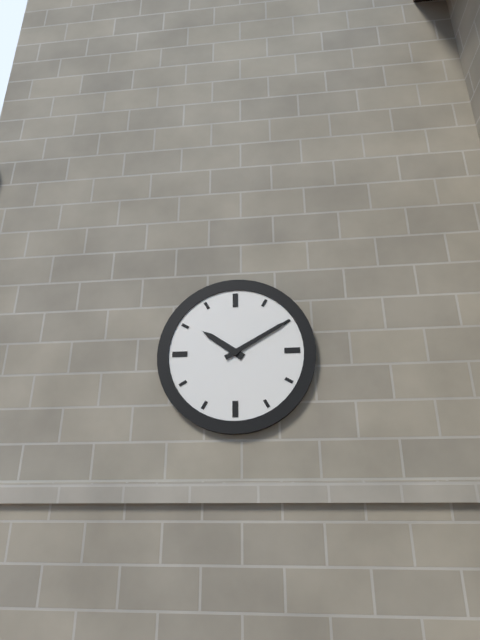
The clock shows h=10 m=10
